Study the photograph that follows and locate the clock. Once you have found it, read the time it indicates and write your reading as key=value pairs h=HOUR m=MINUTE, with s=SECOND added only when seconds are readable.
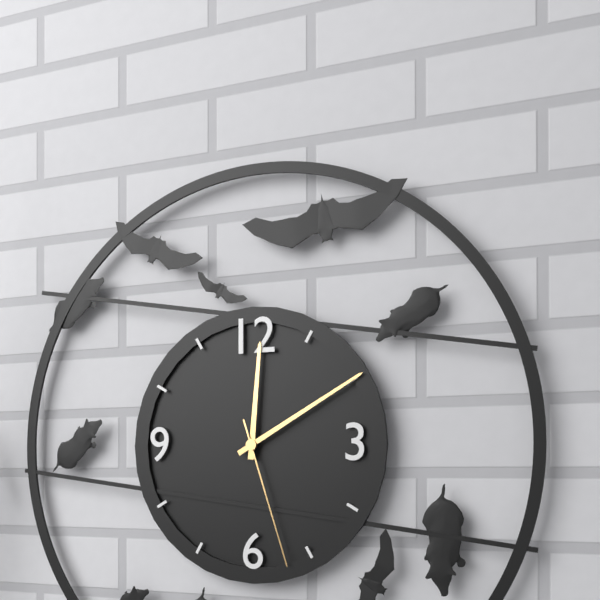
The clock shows h=12 m=10 s=27
